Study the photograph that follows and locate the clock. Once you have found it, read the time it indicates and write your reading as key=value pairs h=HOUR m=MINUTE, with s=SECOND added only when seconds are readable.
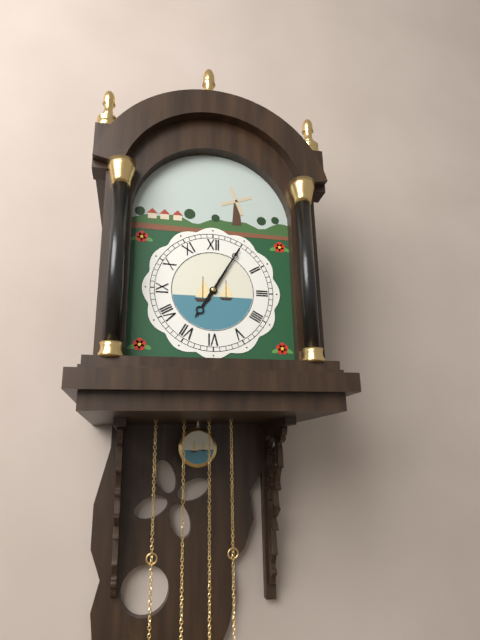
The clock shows h=7 m=5
